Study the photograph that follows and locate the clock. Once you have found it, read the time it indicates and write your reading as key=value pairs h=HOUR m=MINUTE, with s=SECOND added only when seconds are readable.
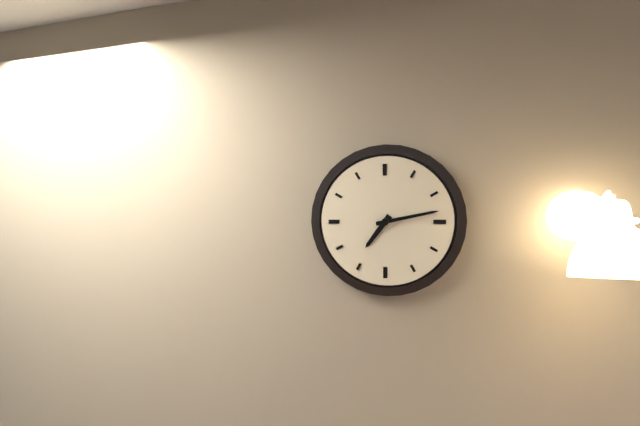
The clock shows h=7 m=13
